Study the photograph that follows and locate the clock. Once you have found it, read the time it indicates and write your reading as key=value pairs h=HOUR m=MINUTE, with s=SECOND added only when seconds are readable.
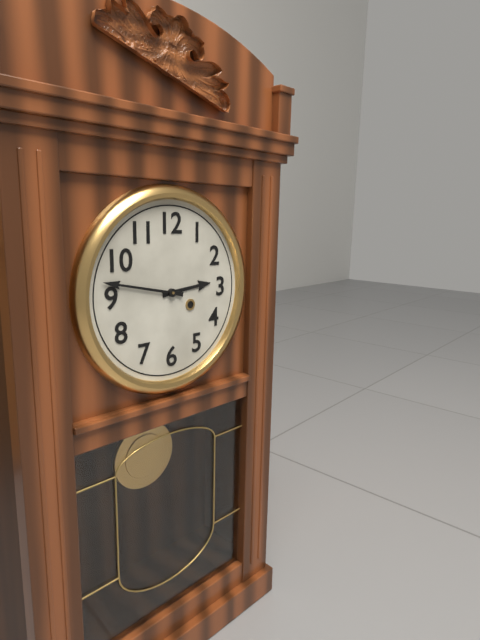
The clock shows h=2 m=47
